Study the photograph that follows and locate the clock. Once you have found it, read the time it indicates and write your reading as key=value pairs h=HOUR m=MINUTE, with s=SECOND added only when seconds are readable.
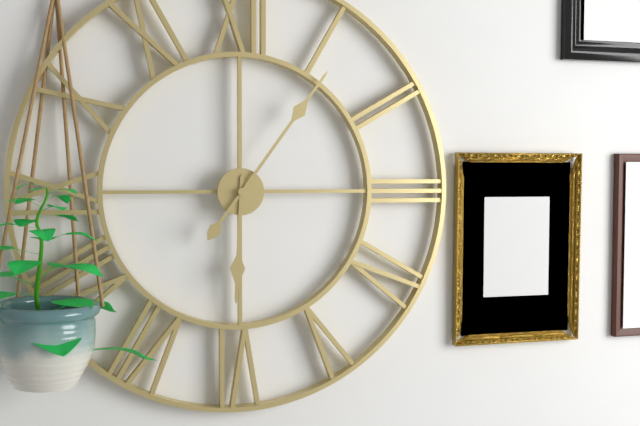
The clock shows h=6 m=6
